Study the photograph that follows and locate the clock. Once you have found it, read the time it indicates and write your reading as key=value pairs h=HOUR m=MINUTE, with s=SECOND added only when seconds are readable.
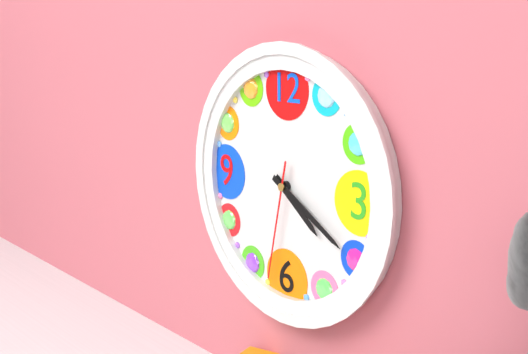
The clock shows h=4 m=20 s=32
